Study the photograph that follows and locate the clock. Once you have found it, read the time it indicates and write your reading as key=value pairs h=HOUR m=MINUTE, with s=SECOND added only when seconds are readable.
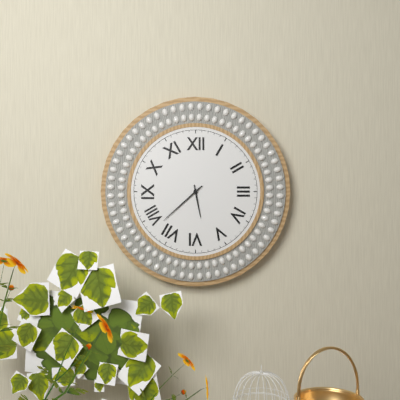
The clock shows h=5 m=38
